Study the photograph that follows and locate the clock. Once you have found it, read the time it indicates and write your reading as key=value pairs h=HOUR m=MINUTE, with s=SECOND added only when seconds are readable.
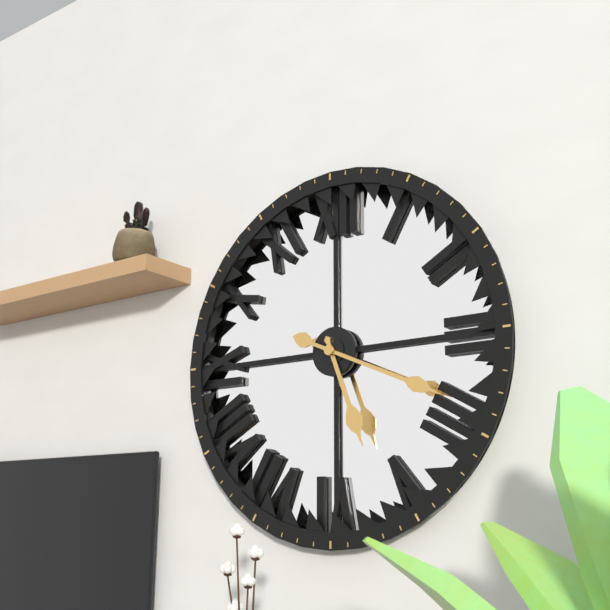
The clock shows h=5 m=19
